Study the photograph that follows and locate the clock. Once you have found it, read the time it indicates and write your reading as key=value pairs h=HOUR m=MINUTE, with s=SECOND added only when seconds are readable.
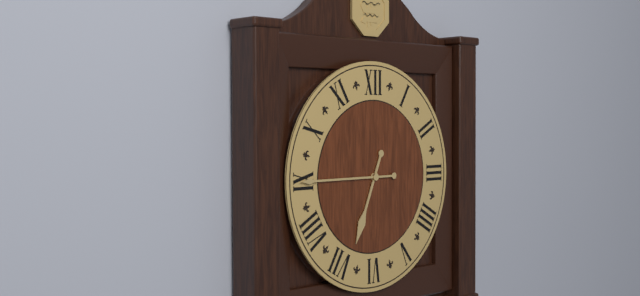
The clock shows h=6 m=45
